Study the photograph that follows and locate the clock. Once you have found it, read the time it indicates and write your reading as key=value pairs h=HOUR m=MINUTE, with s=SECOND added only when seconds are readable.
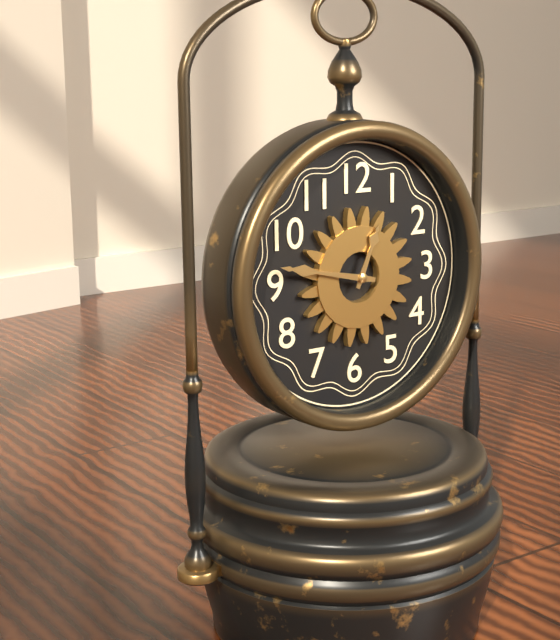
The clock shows h=12 m=47
